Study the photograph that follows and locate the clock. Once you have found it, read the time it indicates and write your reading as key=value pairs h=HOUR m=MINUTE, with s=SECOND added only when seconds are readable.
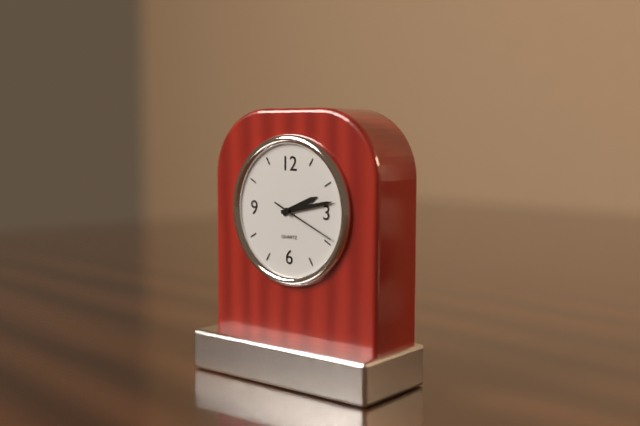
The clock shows h=2 m=13 s=19
